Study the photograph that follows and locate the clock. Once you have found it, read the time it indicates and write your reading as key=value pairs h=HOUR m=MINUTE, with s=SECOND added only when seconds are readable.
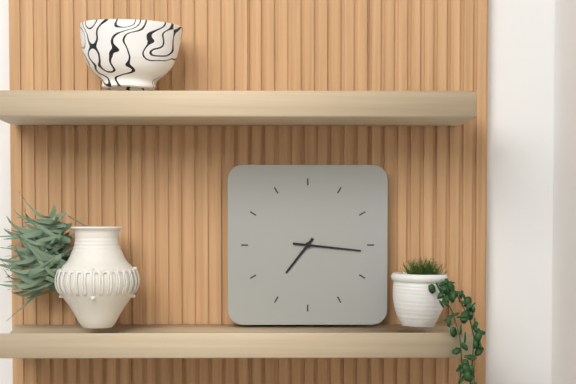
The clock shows h=7 m=16
